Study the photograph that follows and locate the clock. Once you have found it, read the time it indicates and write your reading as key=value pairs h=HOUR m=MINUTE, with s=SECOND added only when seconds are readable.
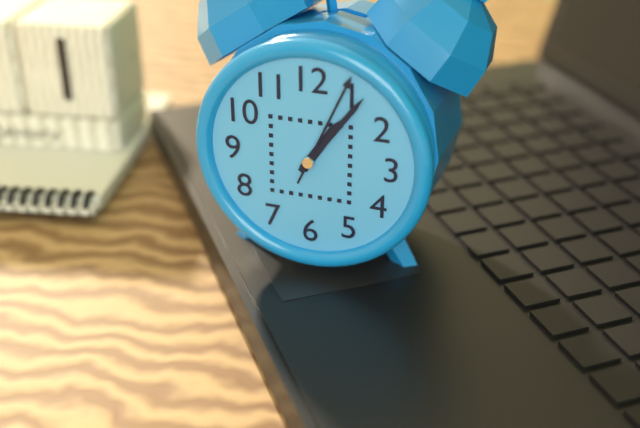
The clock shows h=1 m=6 s=4
